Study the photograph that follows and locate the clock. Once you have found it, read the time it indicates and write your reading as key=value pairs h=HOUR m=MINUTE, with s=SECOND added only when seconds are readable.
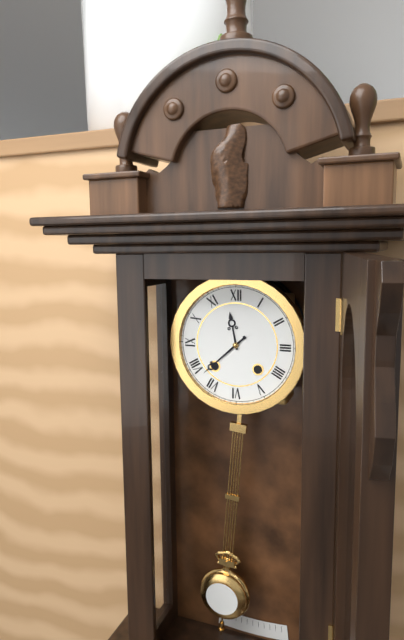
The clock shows h=11 m=38
